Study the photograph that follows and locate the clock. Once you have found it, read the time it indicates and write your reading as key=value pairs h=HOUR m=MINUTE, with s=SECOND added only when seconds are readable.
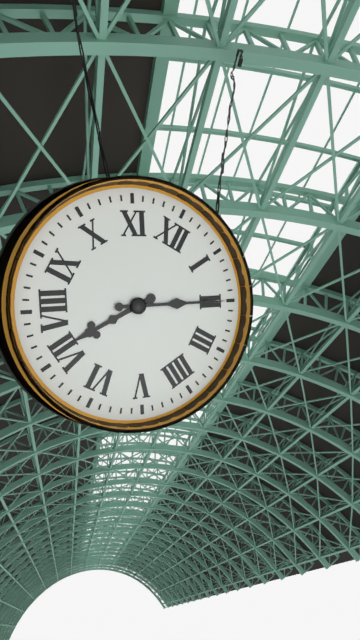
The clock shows h=7 m=10
